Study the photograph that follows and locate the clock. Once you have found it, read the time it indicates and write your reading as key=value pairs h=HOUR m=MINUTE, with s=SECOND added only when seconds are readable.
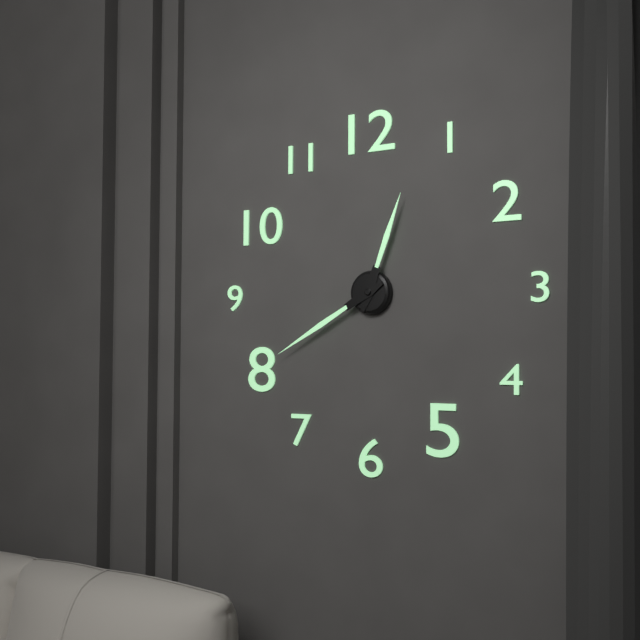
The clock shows h=12 m=40
